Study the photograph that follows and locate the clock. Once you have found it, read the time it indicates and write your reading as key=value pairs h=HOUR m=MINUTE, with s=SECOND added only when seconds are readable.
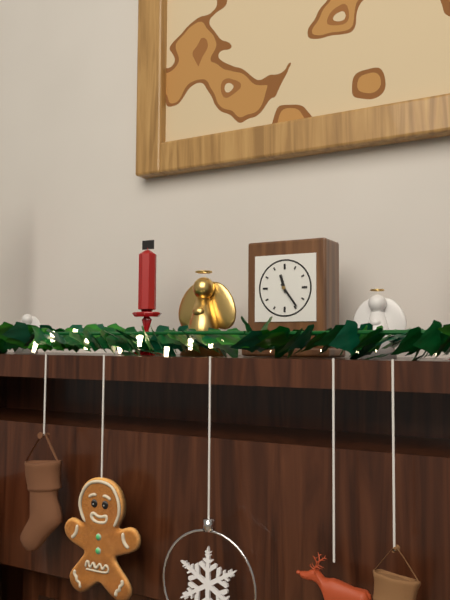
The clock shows h=11 m=24
